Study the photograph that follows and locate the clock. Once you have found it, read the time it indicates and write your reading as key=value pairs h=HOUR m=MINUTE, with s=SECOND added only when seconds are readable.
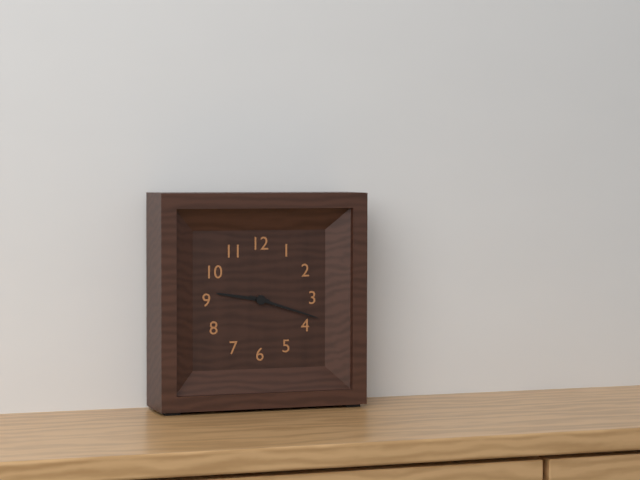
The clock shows h=9 m=18
